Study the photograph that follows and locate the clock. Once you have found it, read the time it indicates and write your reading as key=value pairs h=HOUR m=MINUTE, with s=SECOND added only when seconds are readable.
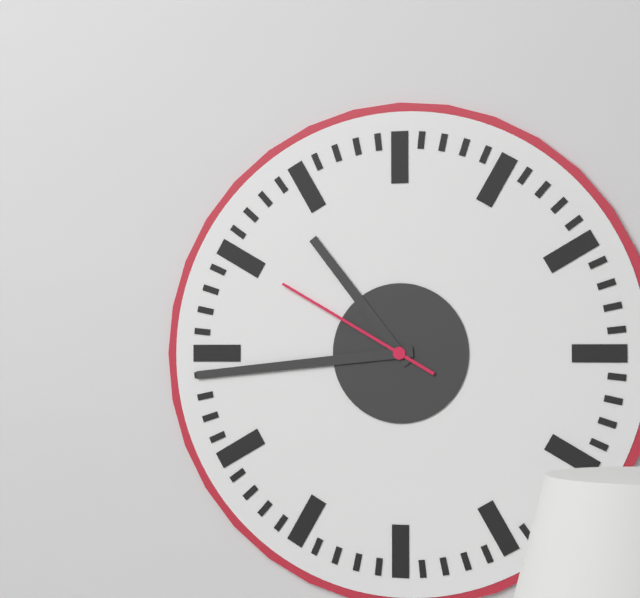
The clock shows h=10 m=44 s=50
